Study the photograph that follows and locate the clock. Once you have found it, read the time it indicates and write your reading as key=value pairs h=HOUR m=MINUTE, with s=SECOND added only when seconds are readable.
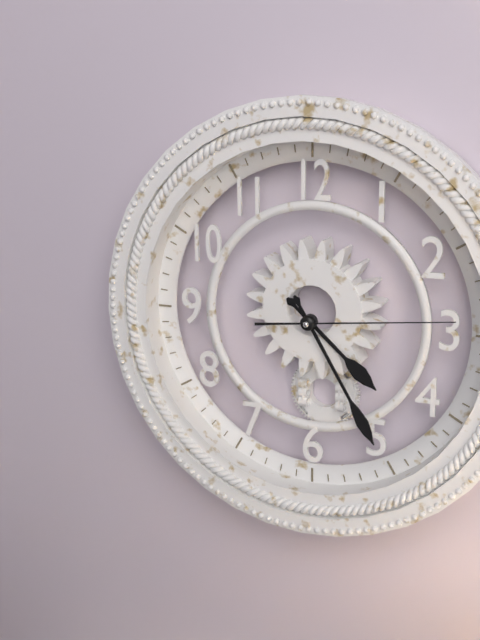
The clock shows h=4 m=25 s=14
